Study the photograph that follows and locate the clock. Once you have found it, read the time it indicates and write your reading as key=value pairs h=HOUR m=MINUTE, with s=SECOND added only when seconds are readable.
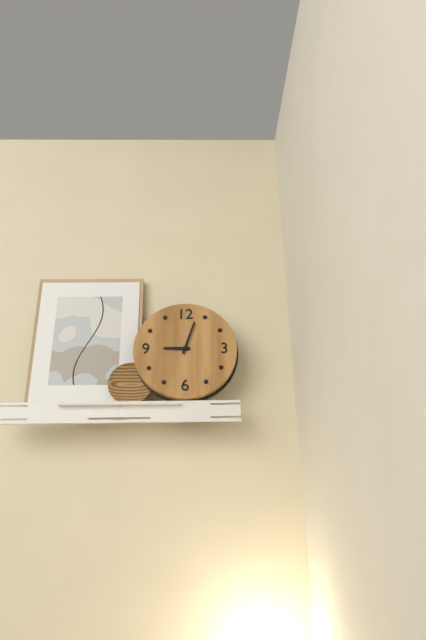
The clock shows h=9 m=3
